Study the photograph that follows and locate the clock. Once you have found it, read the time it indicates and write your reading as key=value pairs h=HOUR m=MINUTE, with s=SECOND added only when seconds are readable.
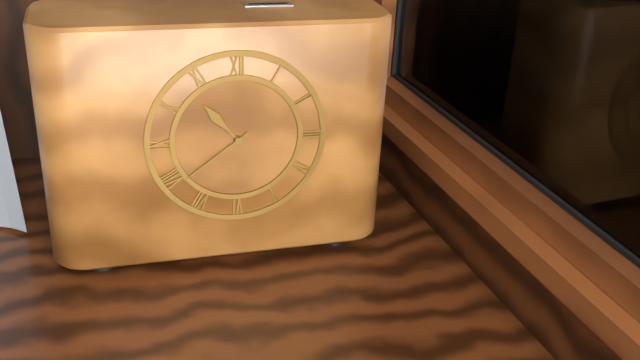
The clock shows h=10 m=39
